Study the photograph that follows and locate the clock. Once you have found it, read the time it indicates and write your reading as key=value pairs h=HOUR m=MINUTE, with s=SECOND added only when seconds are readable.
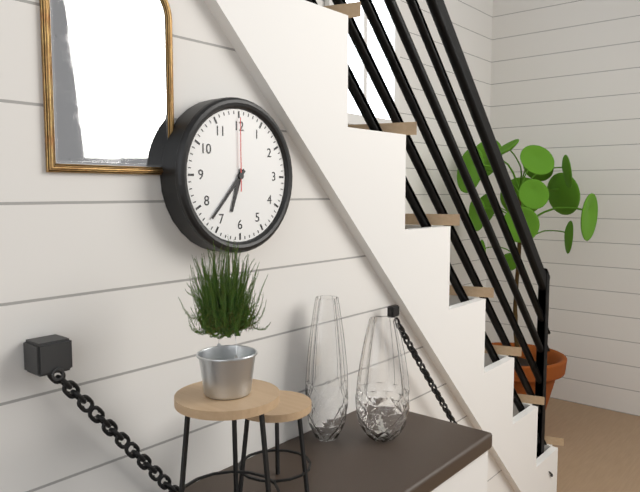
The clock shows h=6 m=37 s=0
